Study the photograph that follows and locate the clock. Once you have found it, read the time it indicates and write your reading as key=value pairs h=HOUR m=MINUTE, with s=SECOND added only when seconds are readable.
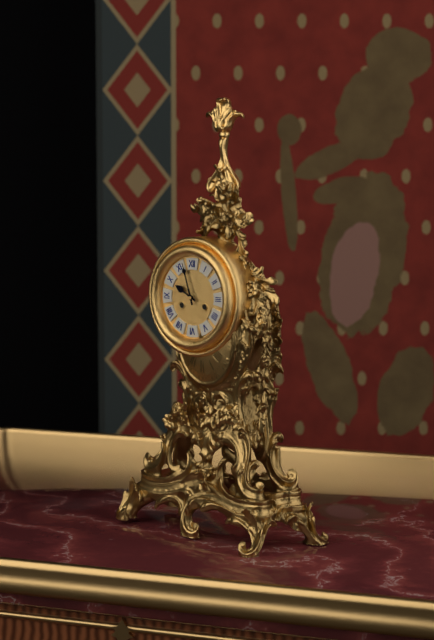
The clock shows h=9 m=57
